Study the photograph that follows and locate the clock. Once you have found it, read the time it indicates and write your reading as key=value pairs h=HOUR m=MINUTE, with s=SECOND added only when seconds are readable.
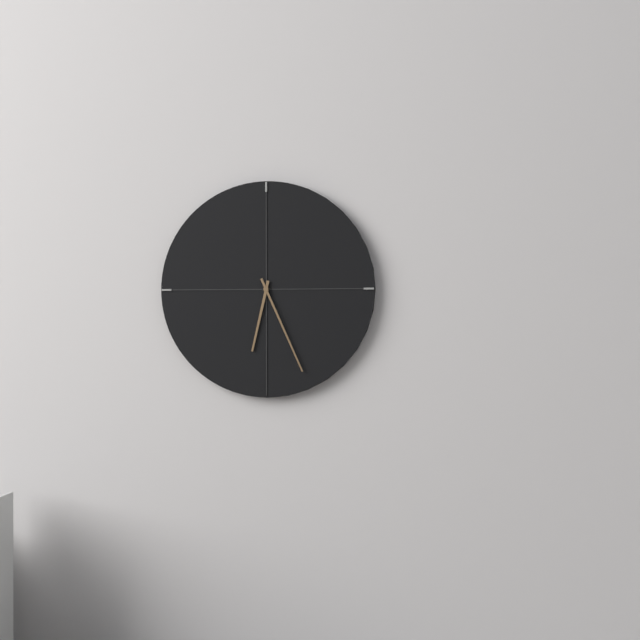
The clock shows h=6 m=26
